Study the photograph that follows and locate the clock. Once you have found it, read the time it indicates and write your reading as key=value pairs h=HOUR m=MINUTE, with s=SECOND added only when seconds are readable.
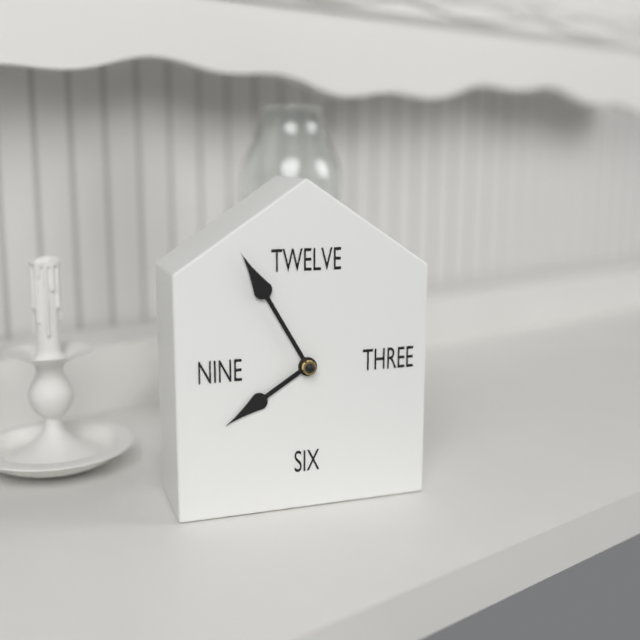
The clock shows h=7 m=55
